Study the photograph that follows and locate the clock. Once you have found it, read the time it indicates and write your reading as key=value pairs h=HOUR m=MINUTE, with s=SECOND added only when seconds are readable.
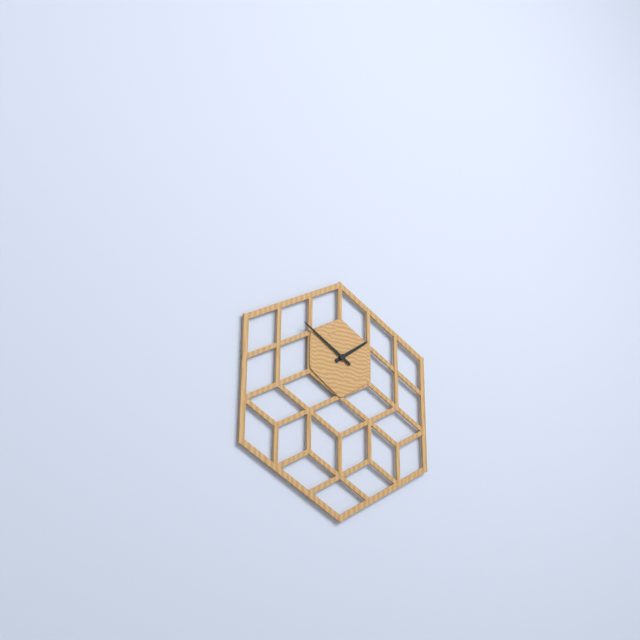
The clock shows h=1 m=50
